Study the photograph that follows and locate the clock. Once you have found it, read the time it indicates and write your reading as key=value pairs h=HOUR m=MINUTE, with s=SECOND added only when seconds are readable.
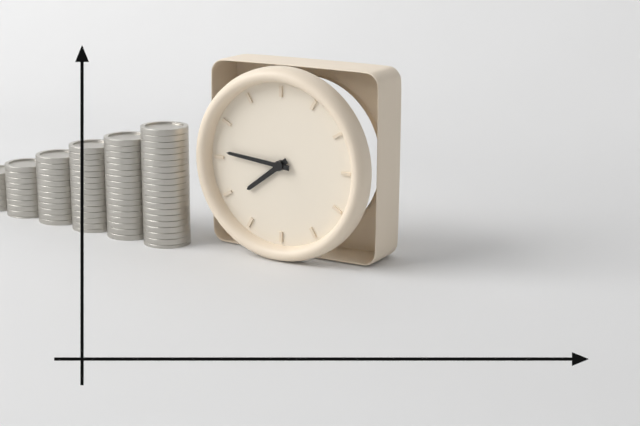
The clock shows h=7 m=46
